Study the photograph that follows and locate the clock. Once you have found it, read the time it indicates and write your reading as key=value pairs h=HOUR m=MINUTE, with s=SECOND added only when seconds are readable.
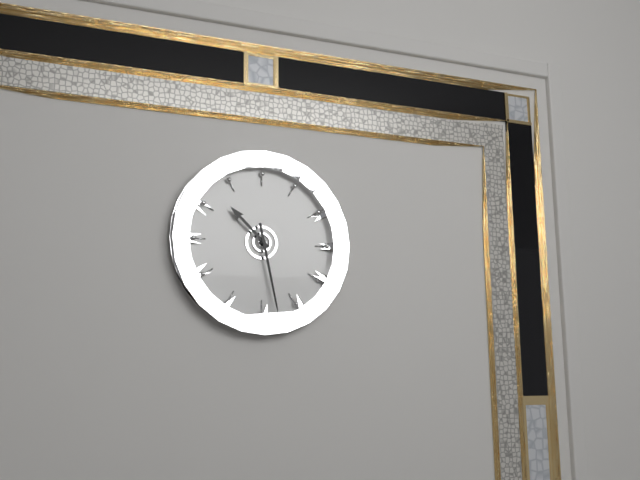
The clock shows h=10 m=28
